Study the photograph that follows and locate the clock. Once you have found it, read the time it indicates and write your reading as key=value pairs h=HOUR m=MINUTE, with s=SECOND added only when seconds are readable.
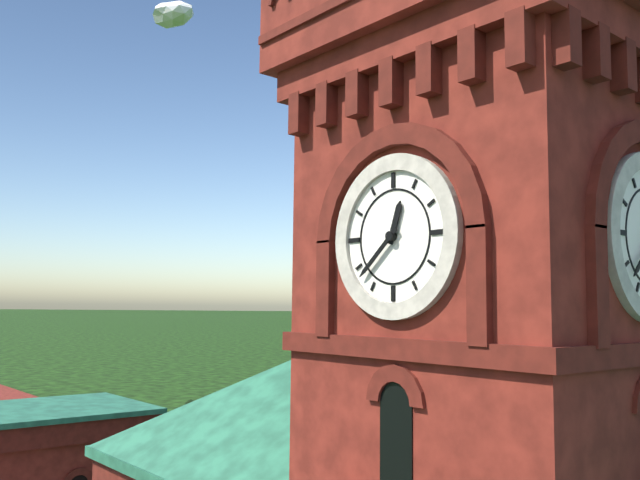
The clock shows h=12 m=38
